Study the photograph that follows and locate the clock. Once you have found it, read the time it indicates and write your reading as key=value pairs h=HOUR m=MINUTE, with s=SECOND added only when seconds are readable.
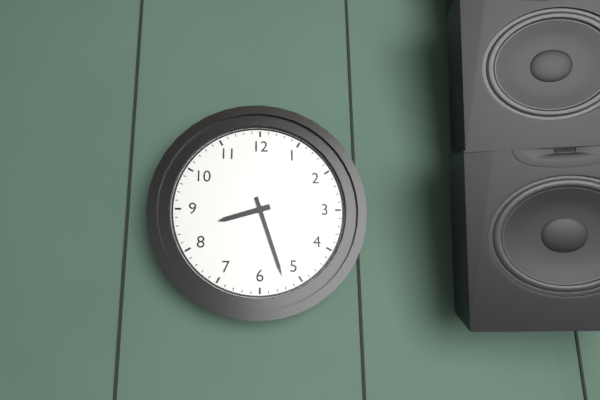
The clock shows h=8 m=27
